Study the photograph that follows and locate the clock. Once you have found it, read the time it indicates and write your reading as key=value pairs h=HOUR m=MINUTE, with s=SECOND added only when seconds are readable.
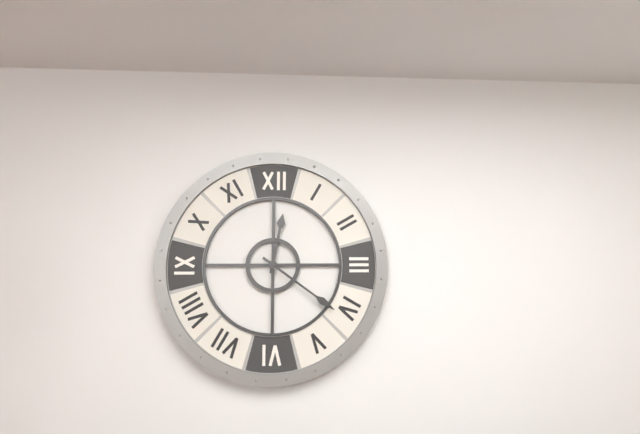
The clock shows h=12 m=21
